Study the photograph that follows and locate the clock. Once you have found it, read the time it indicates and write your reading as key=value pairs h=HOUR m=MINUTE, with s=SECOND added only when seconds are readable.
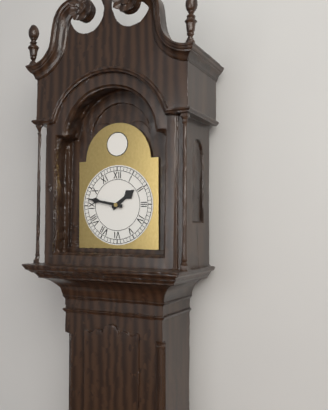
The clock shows h=1 m=47
